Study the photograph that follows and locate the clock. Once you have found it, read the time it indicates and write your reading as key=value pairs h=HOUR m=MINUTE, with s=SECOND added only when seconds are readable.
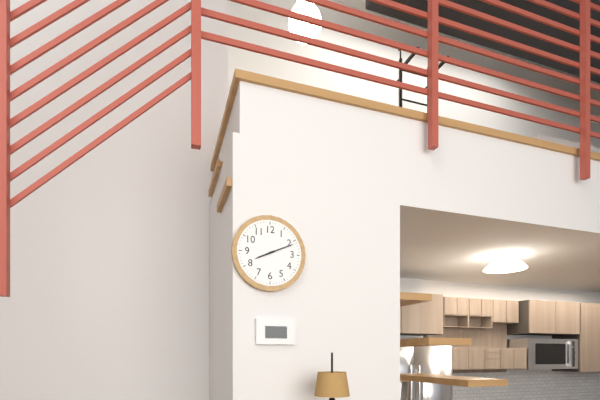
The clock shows h=8 m=11
